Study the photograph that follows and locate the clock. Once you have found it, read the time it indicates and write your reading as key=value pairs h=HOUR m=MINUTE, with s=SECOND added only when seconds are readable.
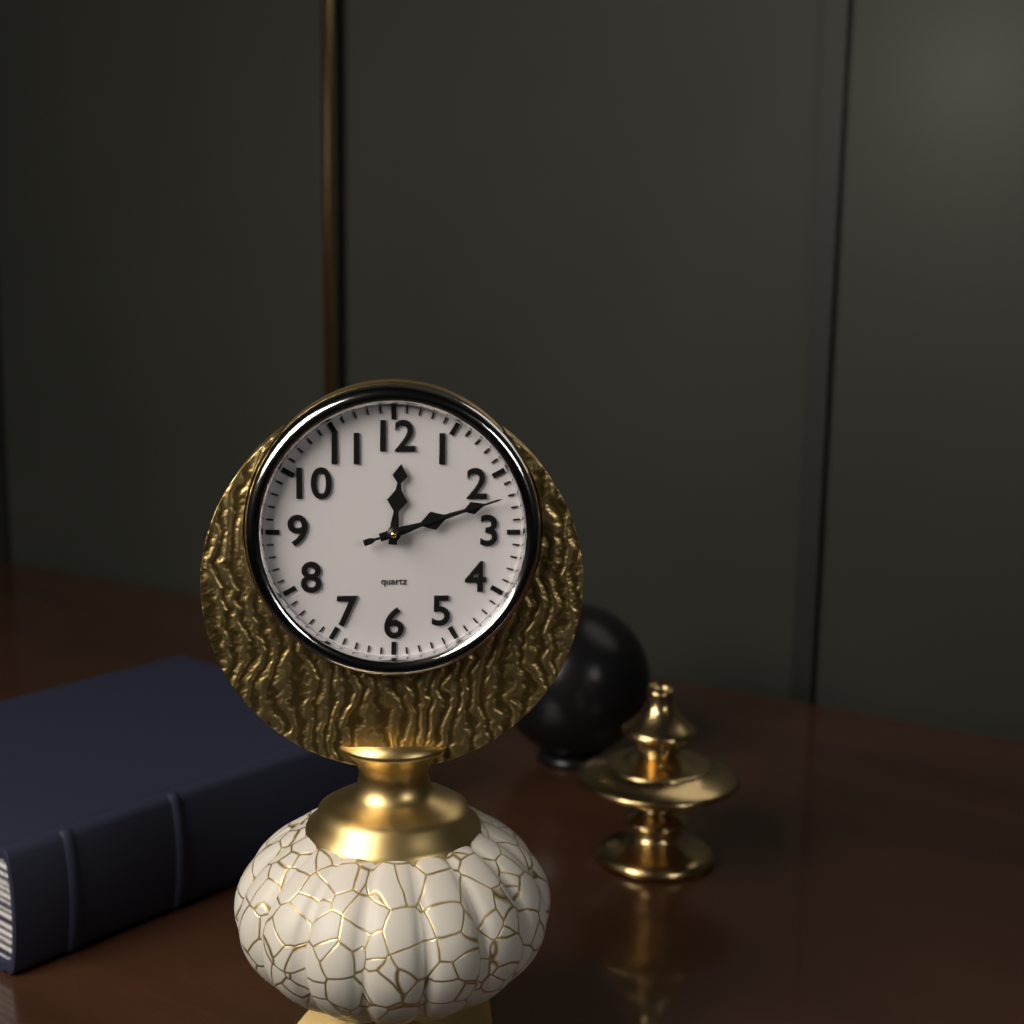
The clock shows h=12 m=12 s=12
